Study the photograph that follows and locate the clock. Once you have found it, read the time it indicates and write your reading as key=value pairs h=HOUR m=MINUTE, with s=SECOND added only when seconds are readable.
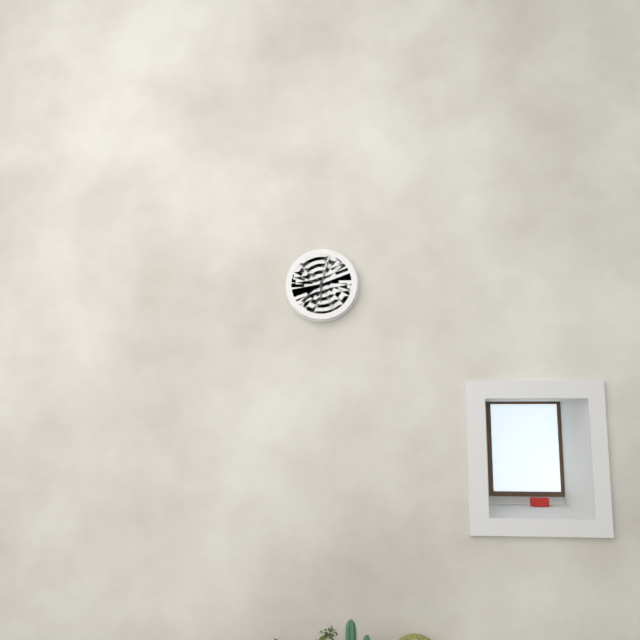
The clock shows h=6 m=3
